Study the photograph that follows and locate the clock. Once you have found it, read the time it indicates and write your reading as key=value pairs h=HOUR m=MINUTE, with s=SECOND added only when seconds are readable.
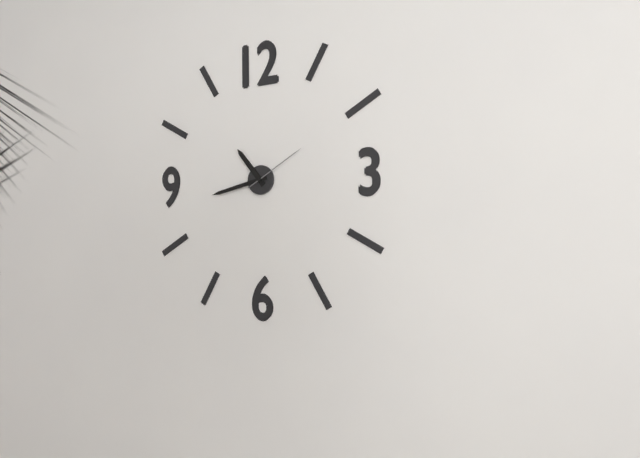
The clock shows h=10 m=43 s=10
